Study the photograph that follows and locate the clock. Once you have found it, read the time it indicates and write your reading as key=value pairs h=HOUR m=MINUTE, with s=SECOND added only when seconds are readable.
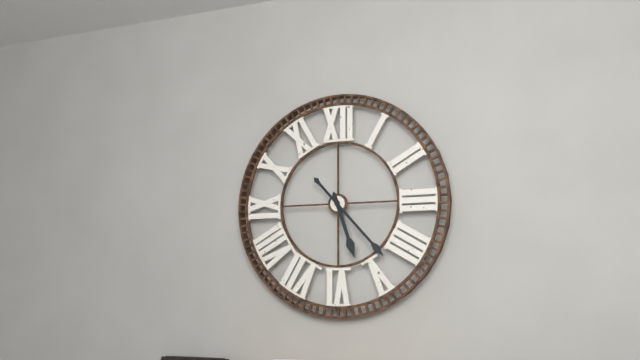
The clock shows h=5 m=23
